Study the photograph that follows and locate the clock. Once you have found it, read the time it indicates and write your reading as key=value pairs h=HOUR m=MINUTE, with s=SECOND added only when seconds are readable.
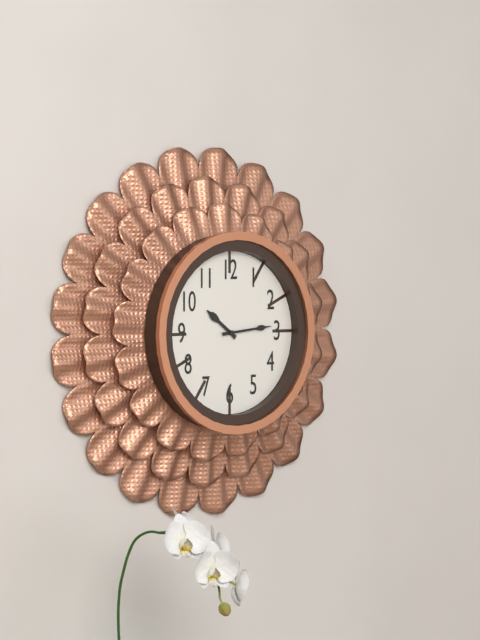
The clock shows h=10 m=14
